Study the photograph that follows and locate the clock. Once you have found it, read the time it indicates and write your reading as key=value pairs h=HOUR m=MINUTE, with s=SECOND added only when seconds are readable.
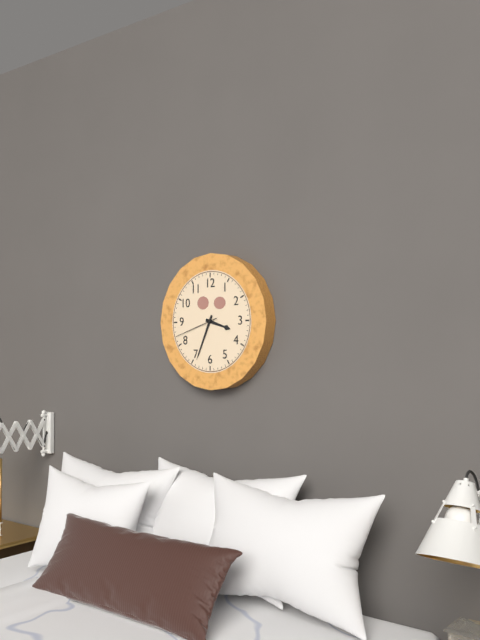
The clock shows h=3 m=34
